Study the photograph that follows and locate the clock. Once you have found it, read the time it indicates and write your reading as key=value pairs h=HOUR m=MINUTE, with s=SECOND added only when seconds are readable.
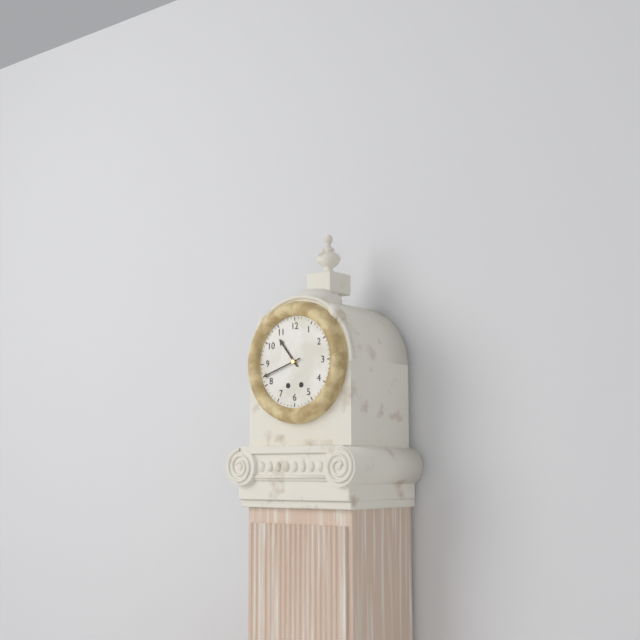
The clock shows h=10 m=42
